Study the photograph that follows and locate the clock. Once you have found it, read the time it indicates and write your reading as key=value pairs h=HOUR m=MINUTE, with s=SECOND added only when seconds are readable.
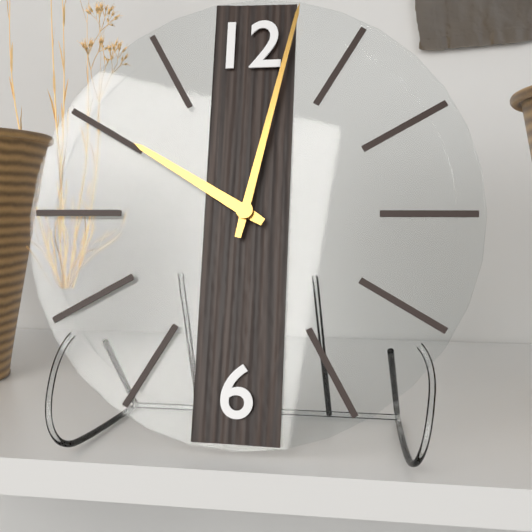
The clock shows h=10 m=2
